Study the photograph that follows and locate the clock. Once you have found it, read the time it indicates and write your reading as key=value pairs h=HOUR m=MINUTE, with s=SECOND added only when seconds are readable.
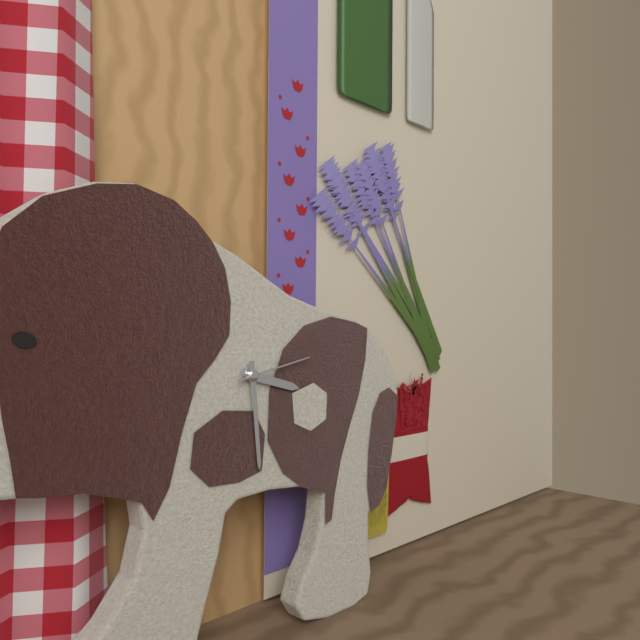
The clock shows h=3 m=29 s=13
